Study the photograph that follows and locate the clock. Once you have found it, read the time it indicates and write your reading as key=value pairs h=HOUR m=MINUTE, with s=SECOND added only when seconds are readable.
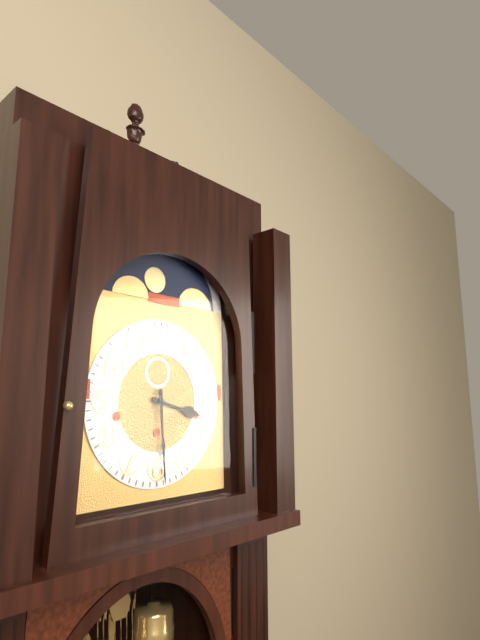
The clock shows h=3 m=29
